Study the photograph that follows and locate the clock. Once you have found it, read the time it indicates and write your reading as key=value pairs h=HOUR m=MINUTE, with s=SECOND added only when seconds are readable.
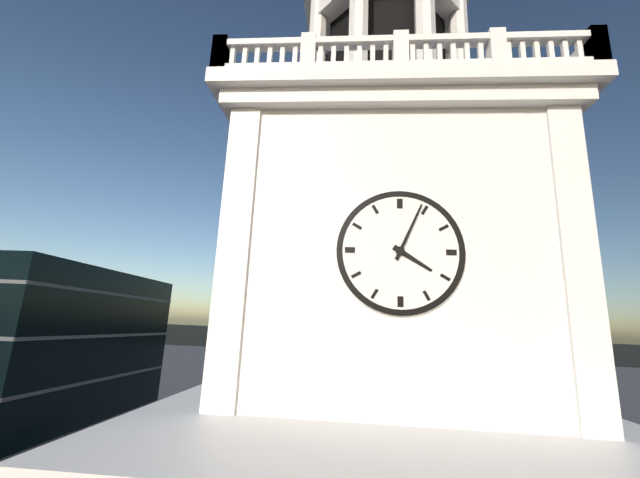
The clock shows h=4 m=4
